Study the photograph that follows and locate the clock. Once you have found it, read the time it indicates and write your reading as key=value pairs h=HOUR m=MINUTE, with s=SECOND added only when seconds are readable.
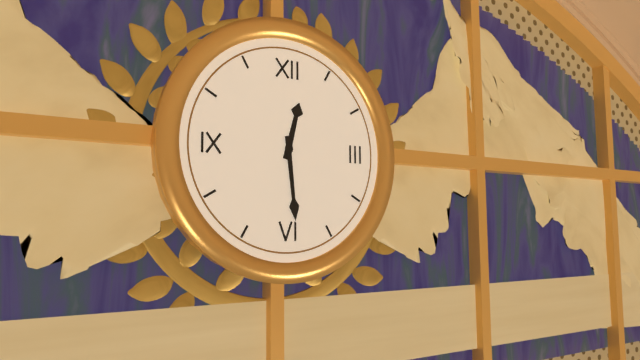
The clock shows h=12 m=29
